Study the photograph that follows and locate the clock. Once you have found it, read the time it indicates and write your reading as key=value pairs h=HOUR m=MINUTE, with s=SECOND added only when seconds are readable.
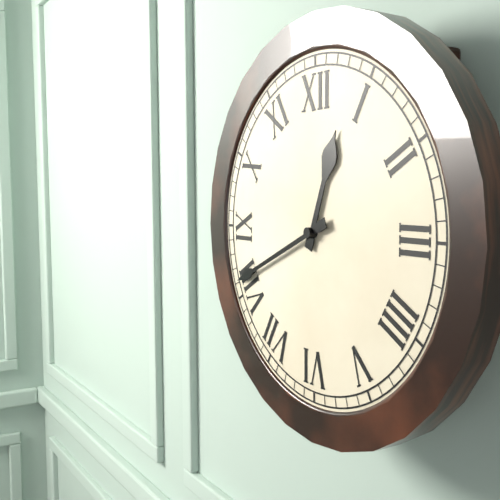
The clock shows h=12 m=41
